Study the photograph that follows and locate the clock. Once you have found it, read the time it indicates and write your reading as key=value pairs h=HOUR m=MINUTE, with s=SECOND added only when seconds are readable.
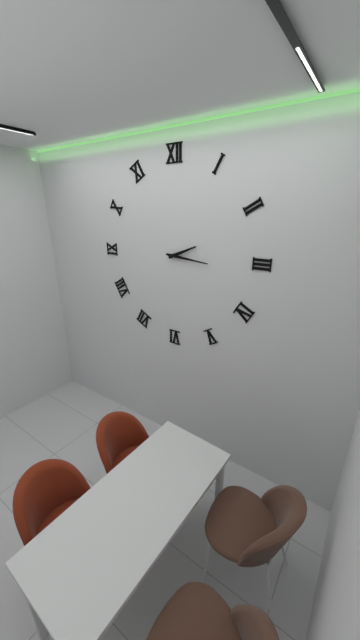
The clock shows h=2 m=16
